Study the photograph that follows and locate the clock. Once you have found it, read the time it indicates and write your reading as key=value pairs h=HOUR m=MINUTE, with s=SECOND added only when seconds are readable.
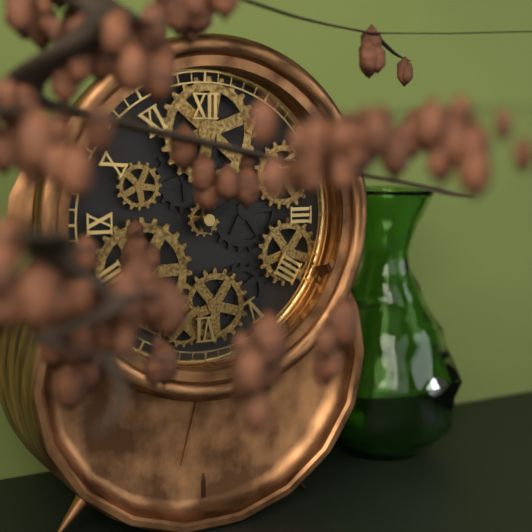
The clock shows h=2 m=1
